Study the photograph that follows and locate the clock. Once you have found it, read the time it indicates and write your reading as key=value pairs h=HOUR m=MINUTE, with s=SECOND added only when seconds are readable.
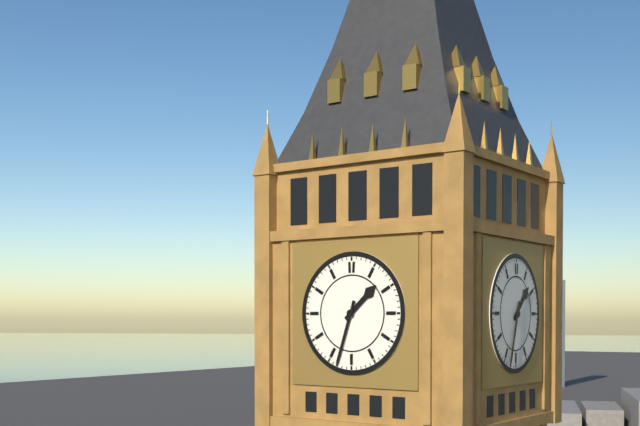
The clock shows h=1 m=33
